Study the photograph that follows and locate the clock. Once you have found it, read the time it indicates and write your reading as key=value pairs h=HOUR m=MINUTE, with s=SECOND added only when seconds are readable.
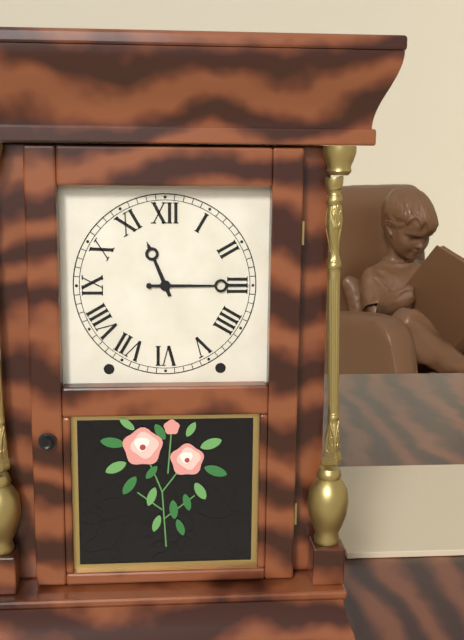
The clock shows h=11 m=15
